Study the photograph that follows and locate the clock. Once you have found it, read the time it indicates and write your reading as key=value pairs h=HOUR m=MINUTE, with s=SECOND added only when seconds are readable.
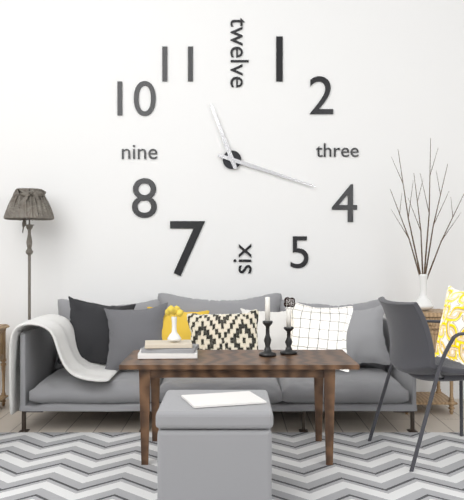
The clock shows h=11 m=18
